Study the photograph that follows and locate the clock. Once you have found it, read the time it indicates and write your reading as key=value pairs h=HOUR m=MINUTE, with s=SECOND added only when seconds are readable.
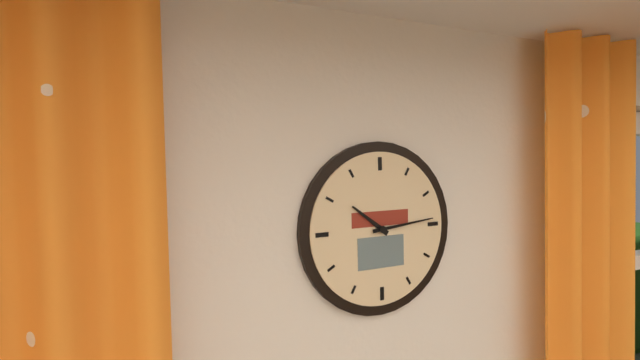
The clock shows h=10 m=14
